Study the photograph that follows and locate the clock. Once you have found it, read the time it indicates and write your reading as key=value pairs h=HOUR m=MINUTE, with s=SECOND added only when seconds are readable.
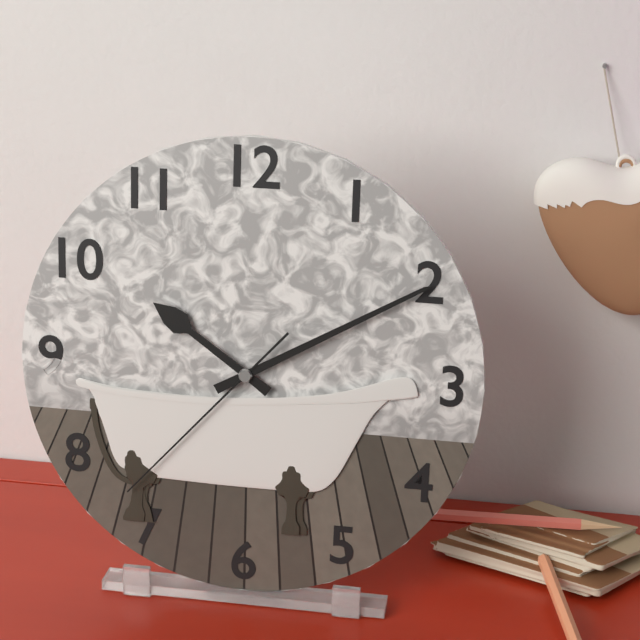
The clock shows h=10 m=10 s=37
